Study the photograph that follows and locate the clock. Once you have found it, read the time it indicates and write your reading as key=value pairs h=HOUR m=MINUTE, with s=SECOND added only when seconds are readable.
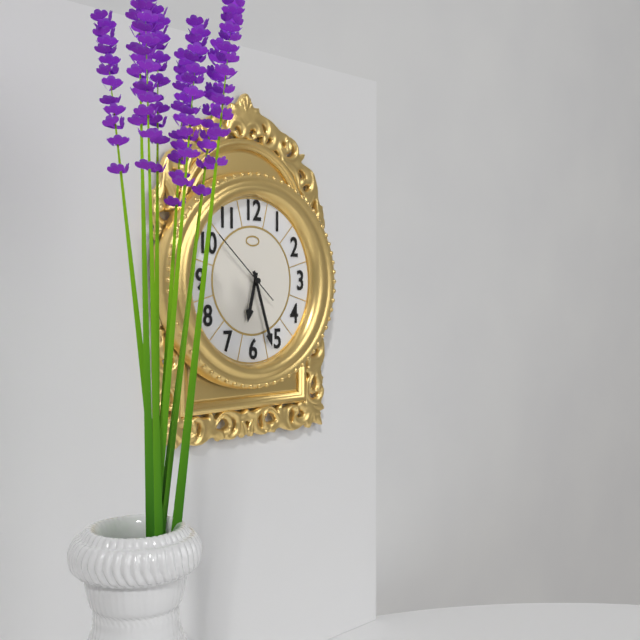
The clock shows h=6 m=27 s=52
